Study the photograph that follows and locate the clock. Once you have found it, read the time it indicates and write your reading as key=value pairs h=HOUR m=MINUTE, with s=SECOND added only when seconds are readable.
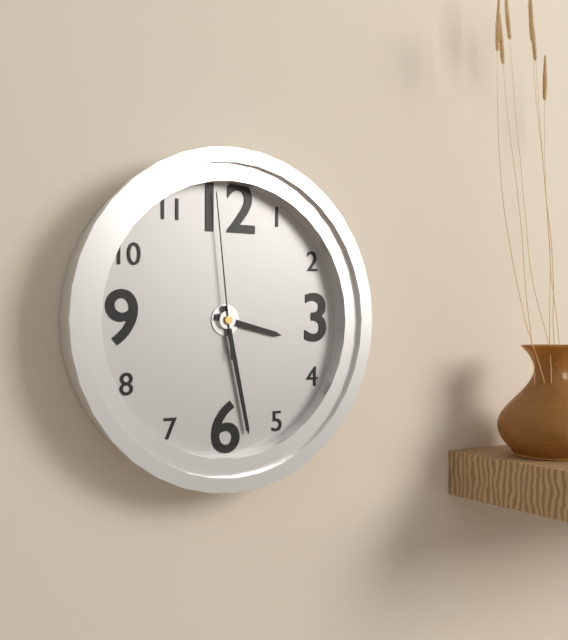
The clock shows h=3 m=28 s=59
